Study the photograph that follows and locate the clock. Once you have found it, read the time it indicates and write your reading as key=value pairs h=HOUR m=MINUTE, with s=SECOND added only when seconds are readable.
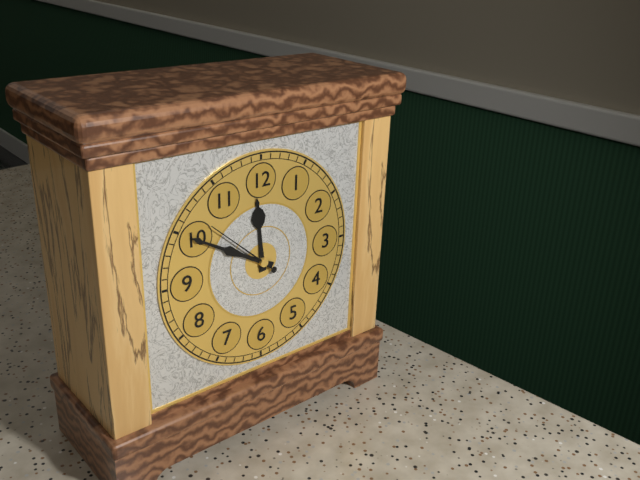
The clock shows h=11 m=50 s=52
